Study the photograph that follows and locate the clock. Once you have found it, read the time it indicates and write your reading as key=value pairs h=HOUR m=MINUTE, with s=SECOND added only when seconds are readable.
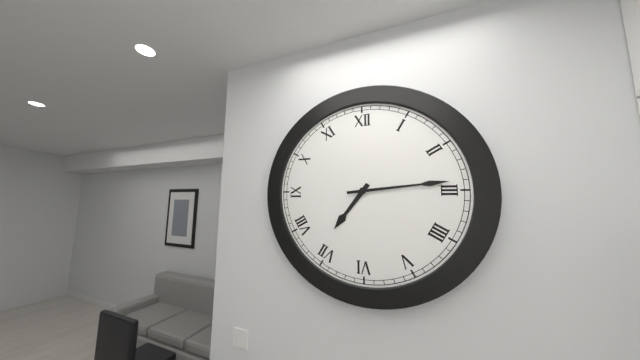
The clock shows h=7 m=14
